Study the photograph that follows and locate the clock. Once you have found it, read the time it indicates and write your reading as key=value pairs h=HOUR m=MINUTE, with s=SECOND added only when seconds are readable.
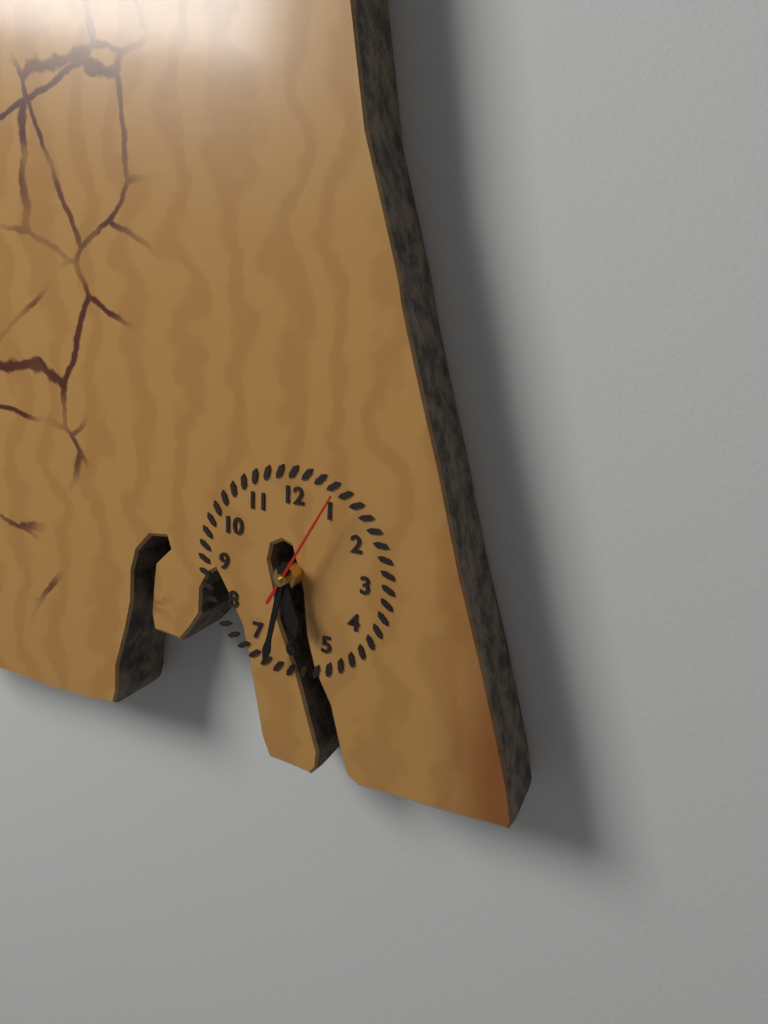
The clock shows h=5 m=32 s=5
